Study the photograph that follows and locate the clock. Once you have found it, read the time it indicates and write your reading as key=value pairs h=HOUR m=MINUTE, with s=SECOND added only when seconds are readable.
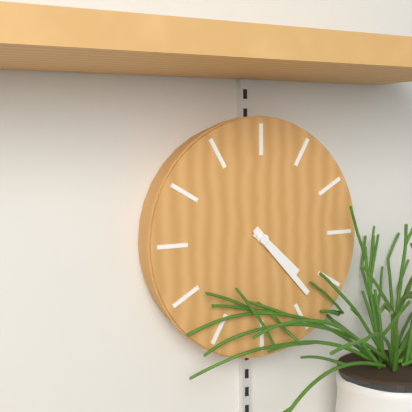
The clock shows h=4 m=23
